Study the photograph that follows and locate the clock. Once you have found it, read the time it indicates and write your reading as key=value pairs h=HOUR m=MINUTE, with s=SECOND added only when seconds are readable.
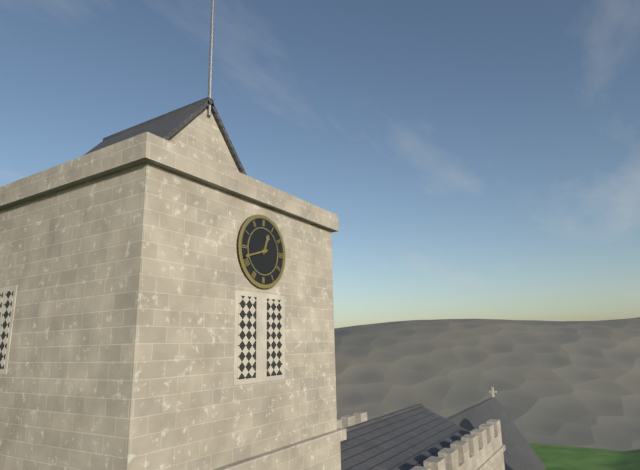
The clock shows h=12 m=42
